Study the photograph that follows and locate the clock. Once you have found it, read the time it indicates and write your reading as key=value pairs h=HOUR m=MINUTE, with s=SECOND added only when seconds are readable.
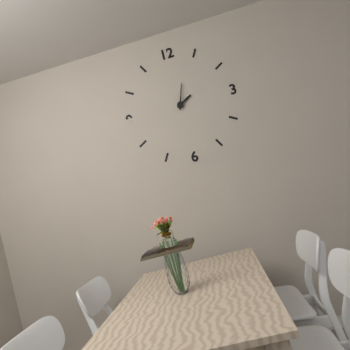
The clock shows h=2 m=3
